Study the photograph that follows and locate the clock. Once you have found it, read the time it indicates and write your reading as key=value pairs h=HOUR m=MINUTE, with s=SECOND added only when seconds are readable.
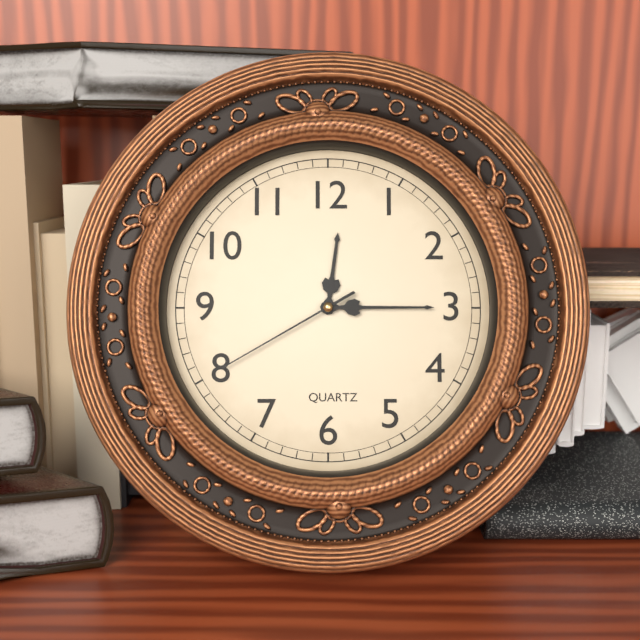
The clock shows h=12 m=15 s=40
